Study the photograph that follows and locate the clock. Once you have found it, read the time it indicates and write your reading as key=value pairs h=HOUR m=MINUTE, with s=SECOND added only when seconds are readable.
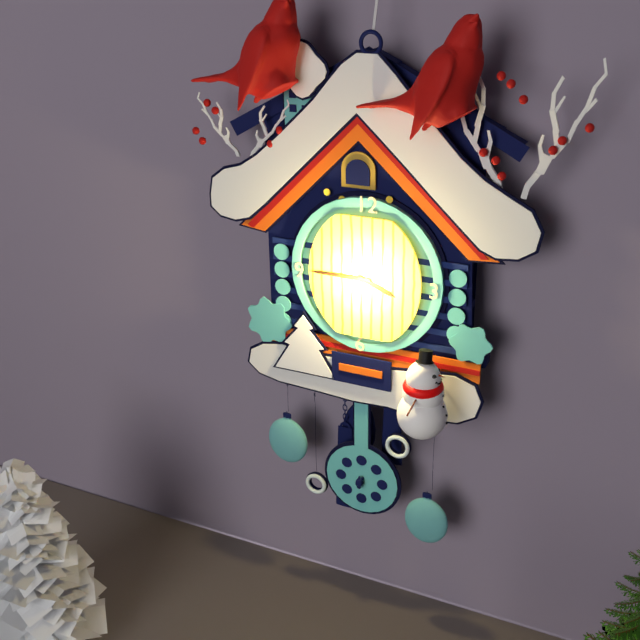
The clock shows h=3 m=45
